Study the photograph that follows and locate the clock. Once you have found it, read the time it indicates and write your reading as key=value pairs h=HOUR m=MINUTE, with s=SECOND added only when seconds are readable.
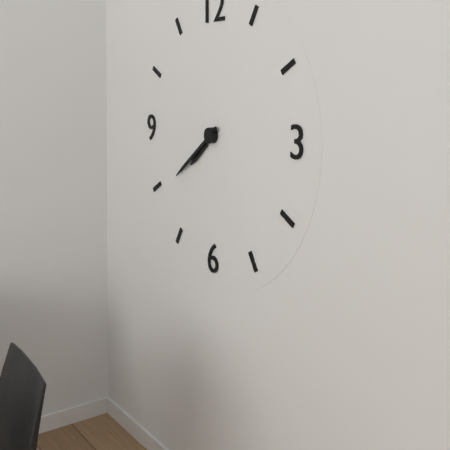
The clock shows h=7 m=39
